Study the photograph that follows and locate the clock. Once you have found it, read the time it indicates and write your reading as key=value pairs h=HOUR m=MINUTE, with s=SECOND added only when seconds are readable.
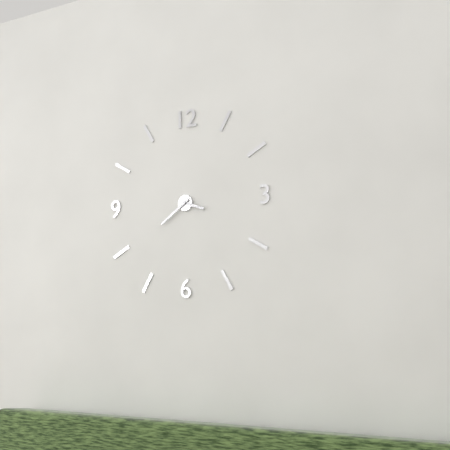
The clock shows h=3 m=39
